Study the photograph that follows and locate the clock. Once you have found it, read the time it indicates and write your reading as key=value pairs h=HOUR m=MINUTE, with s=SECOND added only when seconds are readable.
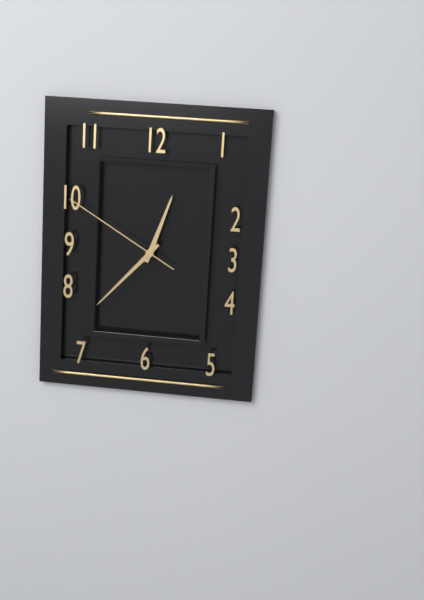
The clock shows h=12 m=37 s=50
